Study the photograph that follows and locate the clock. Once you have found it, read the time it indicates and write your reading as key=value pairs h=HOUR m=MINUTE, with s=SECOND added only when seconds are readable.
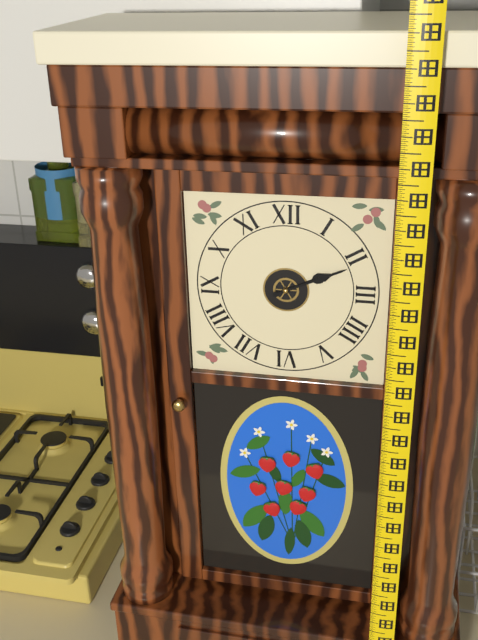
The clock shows h=2 m=11
